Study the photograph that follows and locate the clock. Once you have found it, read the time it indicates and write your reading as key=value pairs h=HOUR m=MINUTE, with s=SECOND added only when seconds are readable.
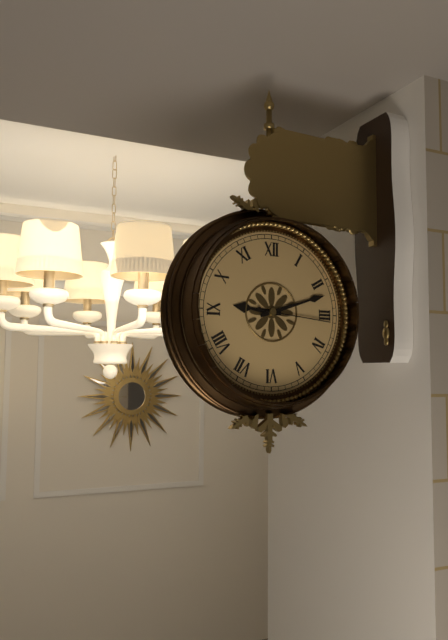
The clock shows h=9 m=12 s=16
